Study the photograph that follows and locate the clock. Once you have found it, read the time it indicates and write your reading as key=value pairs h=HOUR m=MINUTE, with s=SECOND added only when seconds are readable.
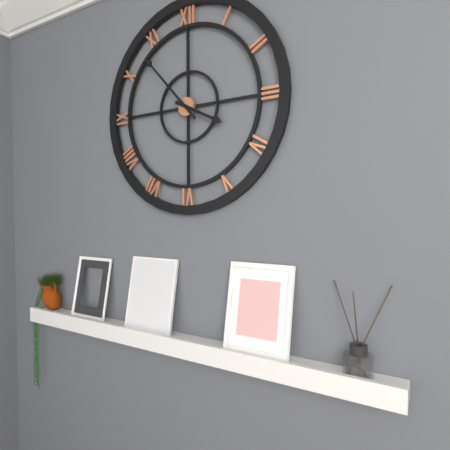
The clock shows h=3 m=53
